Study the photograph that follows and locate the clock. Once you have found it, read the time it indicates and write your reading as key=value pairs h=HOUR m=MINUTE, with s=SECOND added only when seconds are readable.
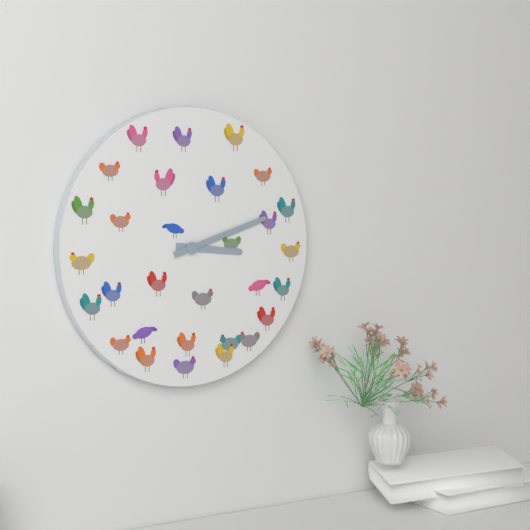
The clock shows h=3 m=12
